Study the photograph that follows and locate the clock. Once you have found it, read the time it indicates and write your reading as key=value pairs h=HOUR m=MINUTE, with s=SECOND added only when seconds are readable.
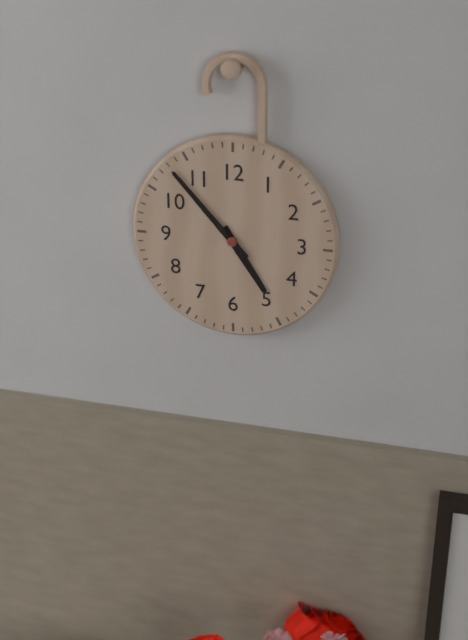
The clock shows h=4 m=53
